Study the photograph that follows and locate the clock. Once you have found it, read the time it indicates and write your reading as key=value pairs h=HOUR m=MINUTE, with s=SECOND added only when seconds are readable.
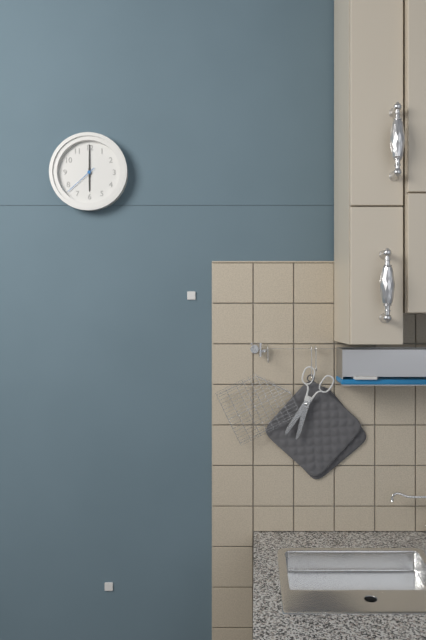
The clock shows h=6 m=0
